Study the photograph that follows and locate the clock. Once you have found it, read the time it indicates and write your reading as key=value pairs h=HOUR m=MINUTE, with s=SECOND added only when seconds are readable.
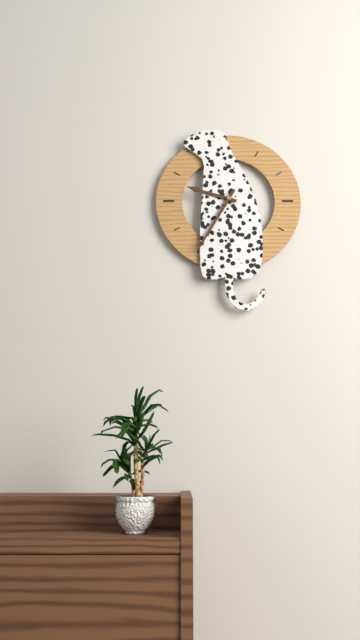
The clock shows h=9 m=35
